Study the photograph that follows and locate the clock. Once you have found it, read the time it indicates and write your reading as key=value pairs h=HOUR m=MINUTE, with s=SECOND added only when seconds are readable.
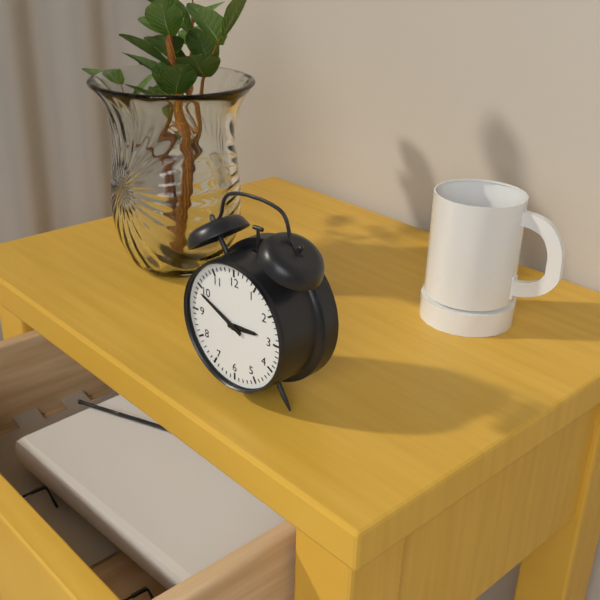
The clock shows h=2 m=49
